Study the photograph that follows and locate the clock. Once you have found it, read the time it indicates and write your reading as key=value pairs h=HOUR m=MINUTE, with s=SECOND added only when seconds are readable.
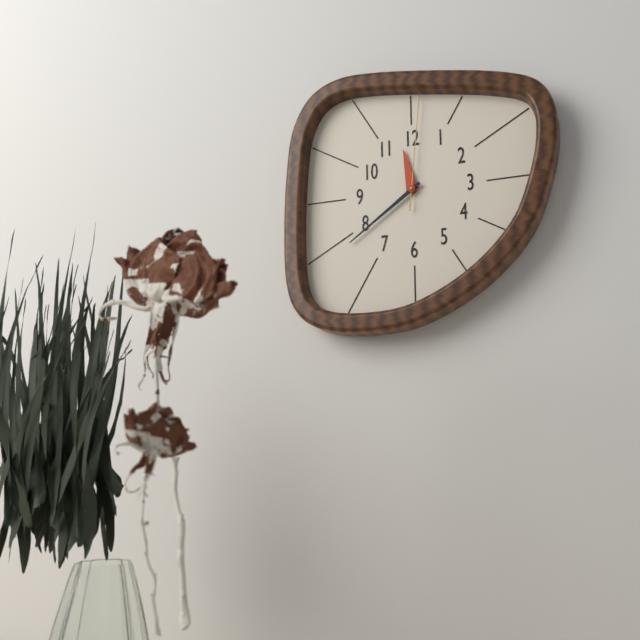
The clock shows h=11 m=39 s=1
